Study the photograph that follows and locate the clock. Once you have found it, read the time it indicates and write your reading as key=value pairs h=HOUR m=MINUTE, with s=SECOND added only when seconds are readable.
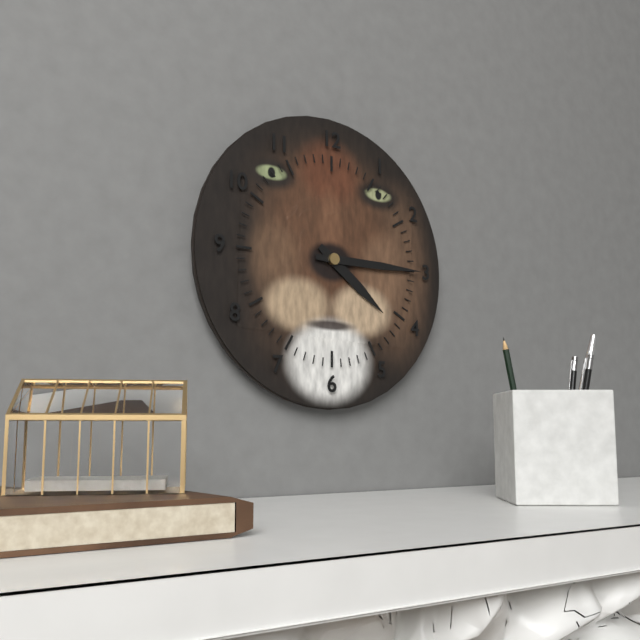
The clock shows h=4 m=15
